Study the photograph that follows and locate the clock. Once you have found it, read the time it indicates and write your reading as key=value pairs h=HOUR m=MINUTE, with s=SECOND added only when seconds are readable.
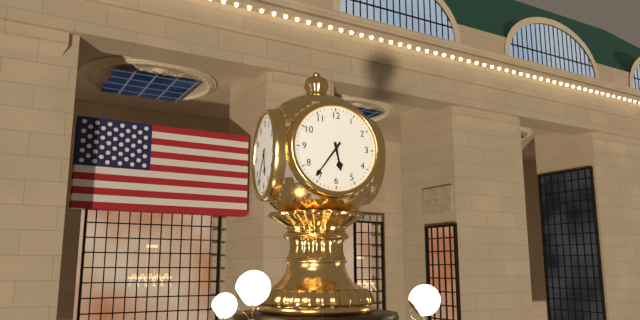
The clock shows h=5 m=36
